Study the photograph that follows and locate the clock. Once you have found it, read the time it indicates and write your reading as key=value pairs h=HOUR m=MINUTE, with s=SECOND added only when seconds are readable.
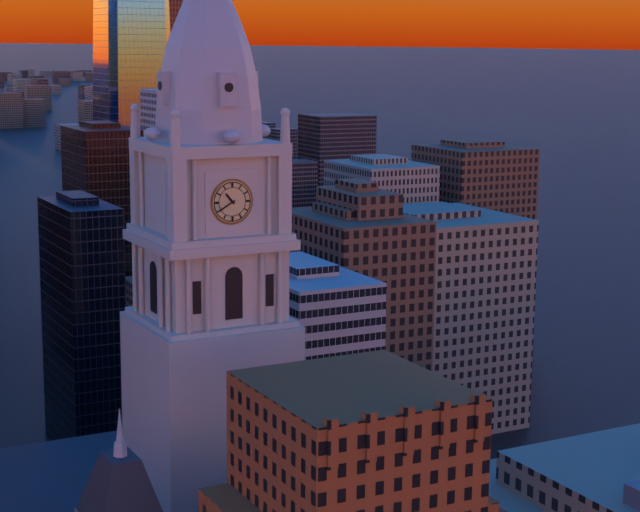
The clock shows h=10 m=40
